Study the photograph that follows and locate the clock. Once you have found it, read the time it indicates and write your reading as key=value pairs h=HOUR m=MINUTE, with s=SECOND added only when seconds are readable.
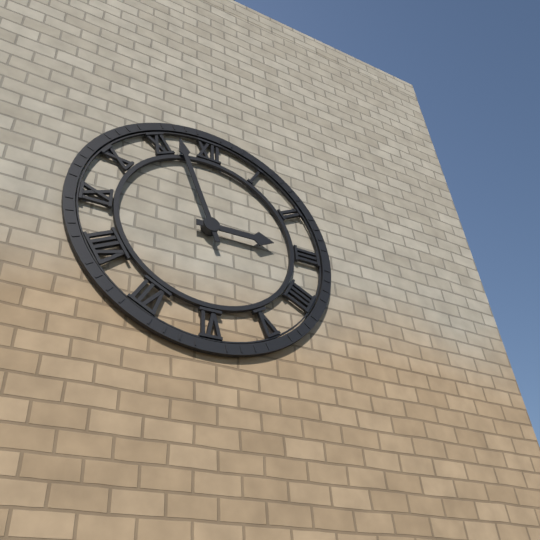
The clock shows h=2 m=57
